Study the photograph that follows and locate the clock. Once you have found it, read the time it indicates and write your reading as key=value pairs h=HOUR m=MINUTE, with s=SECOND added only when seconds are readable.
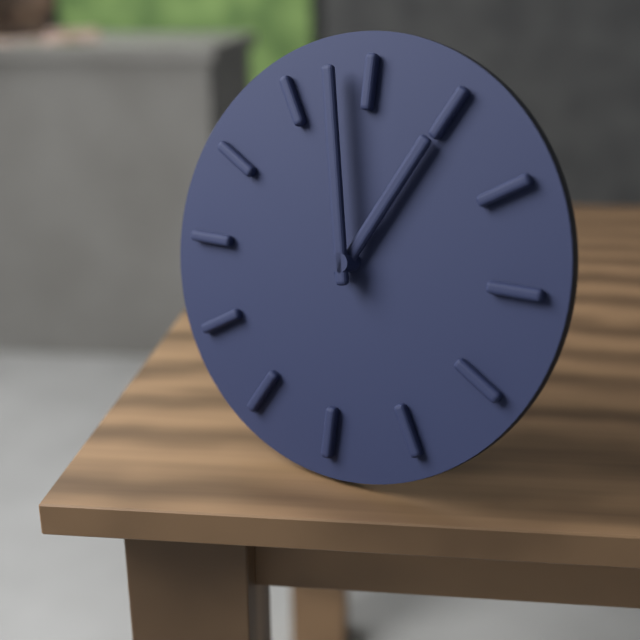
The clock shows h=12 m=58
